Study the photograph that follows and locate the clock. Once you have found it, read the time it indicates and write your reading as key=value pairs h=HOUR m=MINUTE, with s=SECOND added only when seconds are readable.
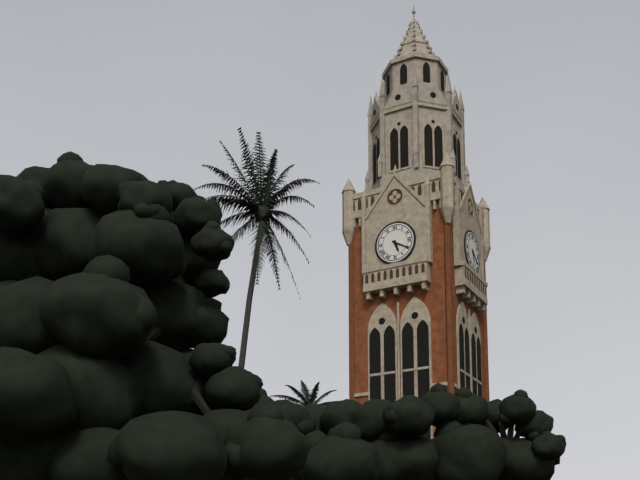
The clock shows h=5 m=20
